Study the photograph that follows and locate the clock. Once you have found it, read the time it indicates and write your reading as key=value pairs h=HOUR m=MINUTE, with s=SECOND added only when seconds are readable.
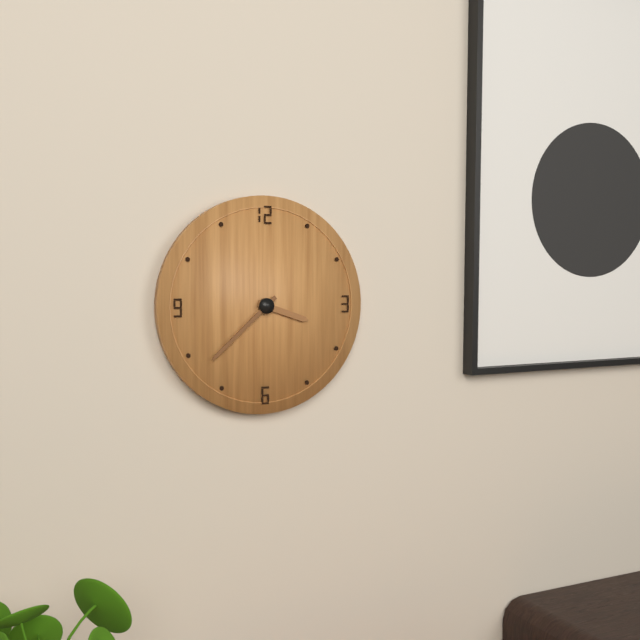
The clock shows h=3 m=38
